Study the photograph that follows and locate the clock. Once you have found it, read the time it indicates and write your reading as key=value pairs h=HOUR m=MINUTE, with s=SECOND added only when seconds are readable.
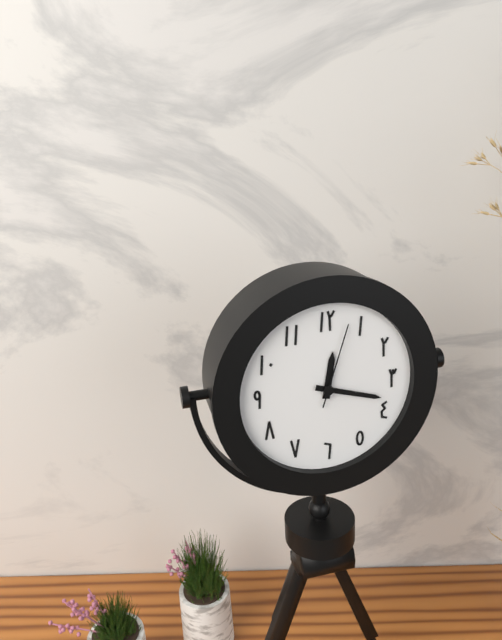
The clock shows h=12 m=18 s=3
